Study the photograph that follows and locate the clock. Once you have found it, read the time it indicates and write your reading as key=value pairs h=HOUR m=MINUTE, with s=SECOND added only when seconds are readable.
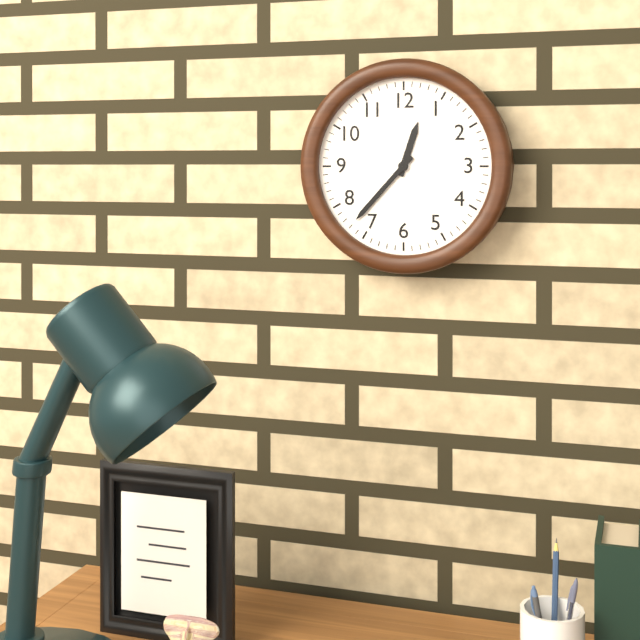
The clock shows h=12 m=37
